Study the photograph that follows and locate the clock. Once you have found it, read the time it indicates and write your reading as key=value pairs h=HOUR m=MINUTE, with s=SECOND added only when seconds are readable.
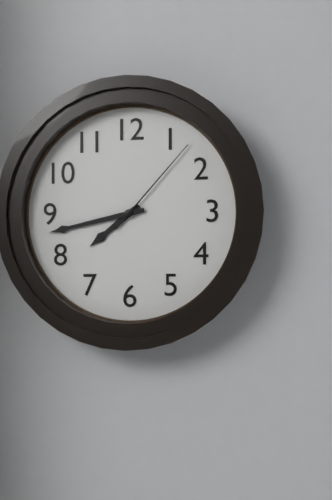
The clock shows h=7 m=43 s=7
